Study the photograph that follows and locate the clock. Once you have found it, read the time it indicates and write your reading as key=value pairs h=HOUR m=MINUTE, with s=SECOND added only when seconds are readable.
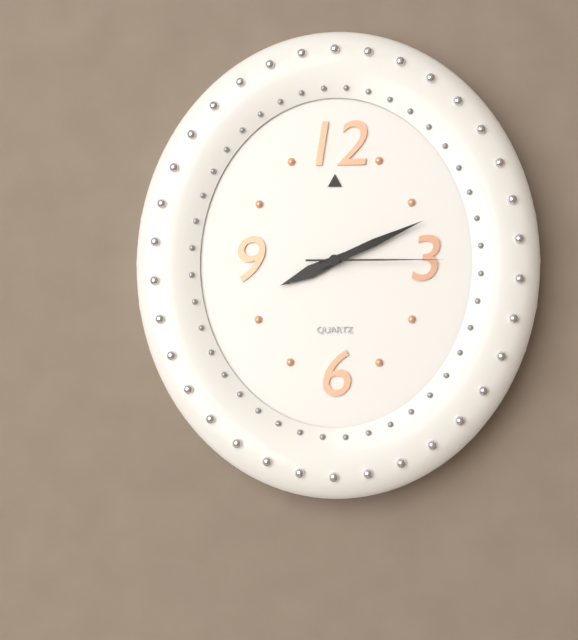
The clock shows h=8 m=11 s=15
